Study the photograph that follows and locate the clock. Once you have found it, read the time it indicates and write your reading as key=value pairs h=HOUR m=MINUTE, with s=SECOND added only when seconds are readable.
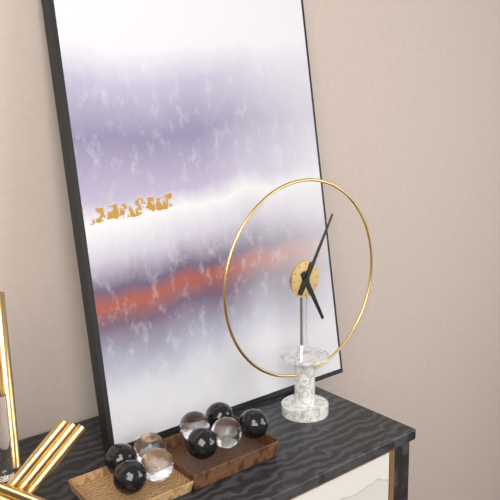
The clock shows h=5 m=5
